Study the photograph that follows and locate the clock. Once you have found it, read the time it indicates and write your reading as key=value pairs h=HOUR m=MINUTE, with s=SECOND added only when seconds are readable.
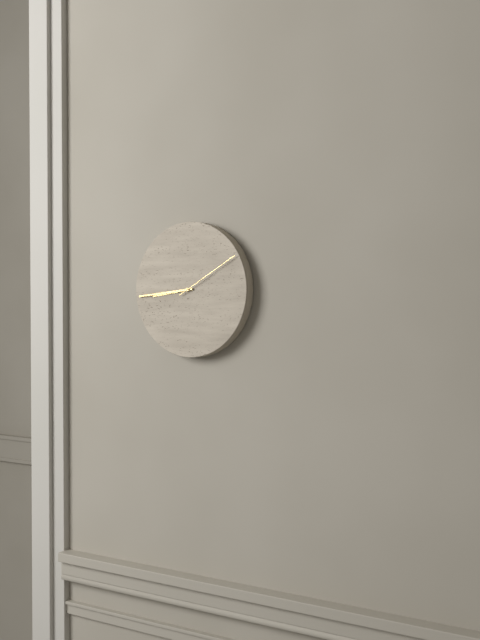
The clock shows h=8 m=44 s=10
